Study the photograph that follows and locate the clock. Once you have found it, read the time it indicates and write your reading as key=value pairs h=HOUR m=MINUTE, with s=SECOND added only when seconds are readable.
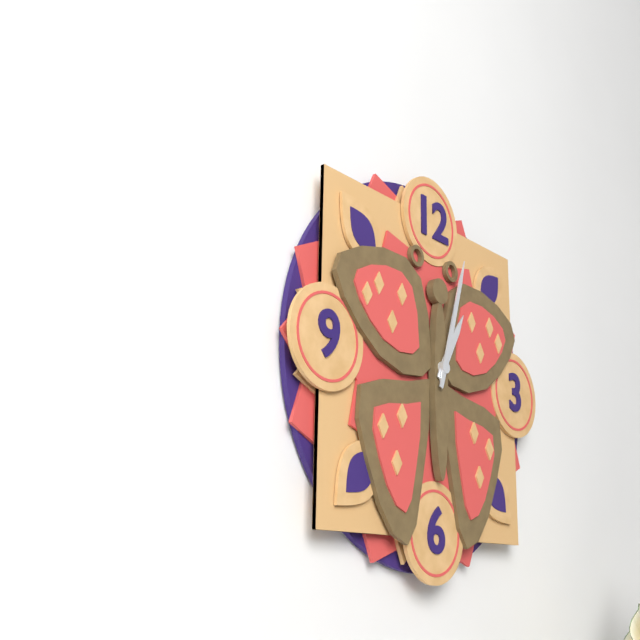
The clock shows h=1 m=3
